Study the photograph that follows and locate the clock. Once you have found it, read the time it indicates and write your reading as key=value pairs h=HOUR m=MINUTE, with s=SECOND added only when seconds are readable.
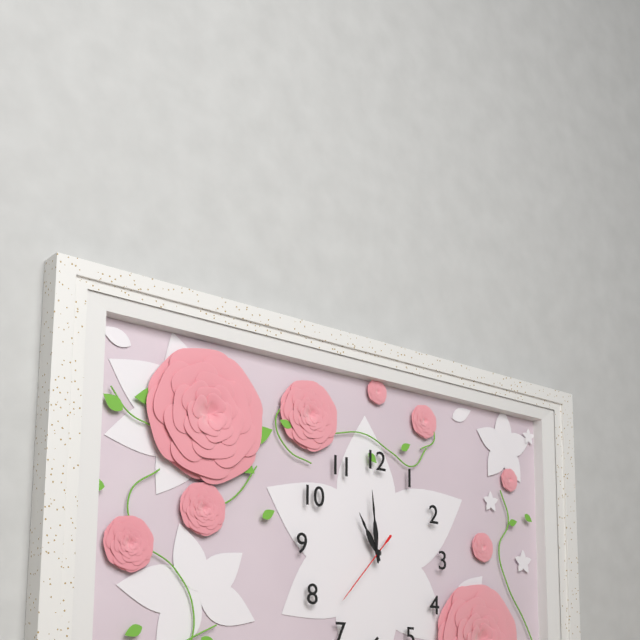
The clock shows h=10 m=59 s=37
